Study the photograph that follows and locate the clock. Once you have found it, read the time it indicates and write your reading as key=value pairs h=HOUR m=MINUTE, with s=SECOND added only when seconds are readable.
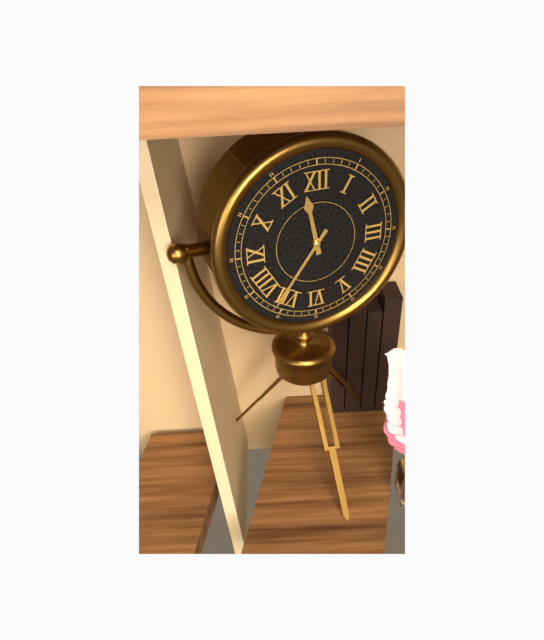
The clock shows h=11 m=36
